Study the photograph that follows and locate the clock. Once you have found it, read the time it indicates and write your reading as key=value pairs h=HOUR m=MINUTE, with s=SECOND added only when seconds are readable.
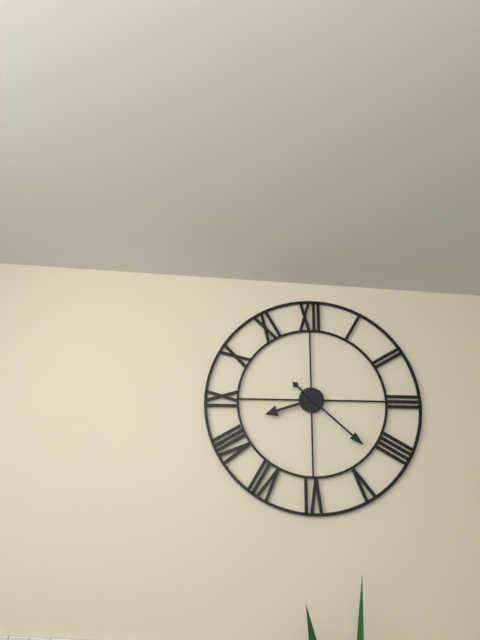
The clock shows h=8 m=22
